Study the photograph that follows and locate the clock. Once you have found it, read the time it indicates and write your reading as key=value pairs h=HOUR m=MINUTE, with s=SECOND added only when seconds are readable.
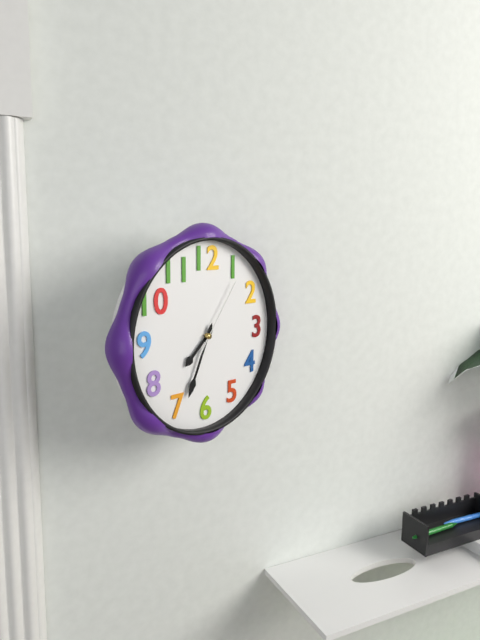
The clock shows h=7 m=34 s=6
